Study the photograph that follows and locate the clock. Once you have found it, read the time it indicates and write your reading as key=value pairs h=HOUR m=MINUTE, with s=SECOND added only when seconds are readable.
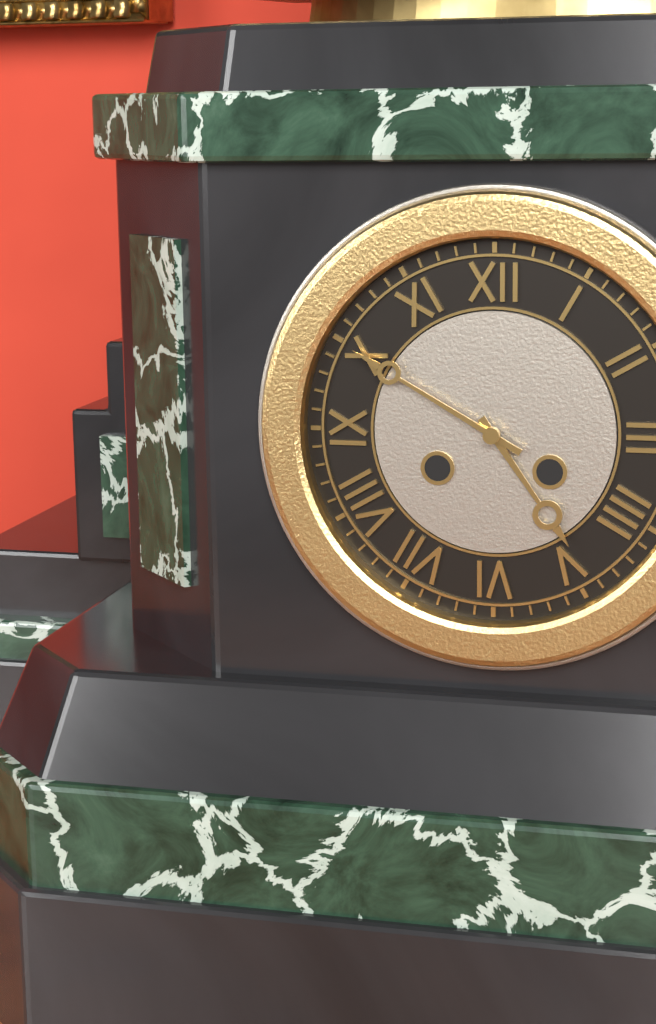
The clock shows h=4 m=50
